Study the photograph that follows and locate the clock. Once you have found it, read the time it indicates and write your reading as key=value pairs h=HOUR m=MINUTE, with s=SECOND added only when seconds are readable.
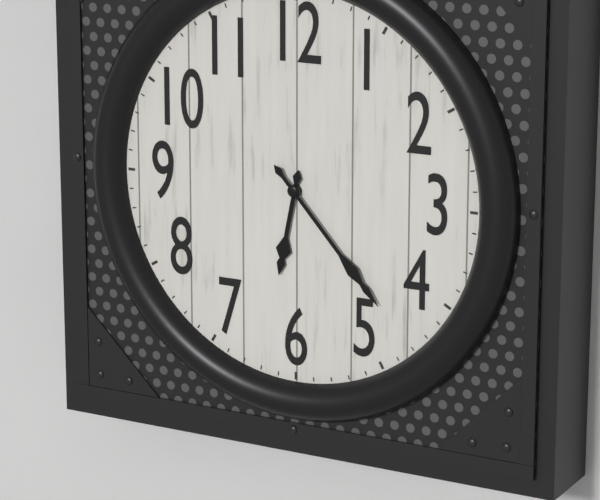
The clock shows h=6 m=23
